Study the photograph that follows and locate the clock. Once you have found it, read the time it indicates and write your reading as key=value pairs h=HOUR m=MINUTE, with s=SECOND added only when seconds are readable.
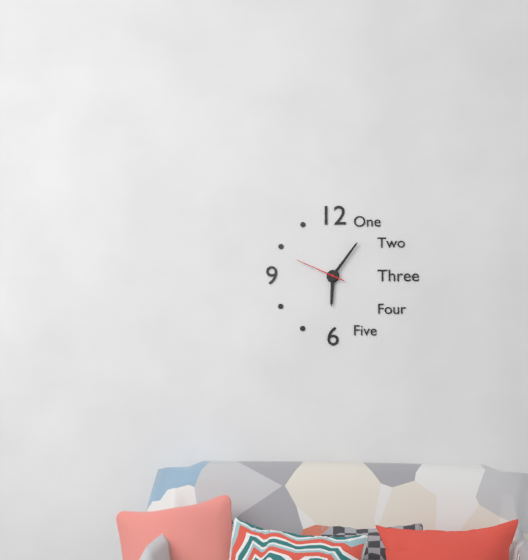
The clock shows h=6 m=6 s=49
